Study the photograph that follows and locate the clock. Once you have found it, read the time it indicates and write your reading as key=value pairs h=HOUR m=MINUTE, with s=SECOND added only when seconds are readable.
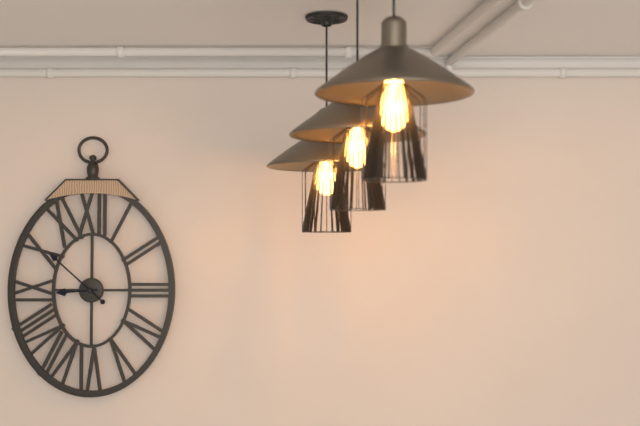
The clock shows h=8 m=52
